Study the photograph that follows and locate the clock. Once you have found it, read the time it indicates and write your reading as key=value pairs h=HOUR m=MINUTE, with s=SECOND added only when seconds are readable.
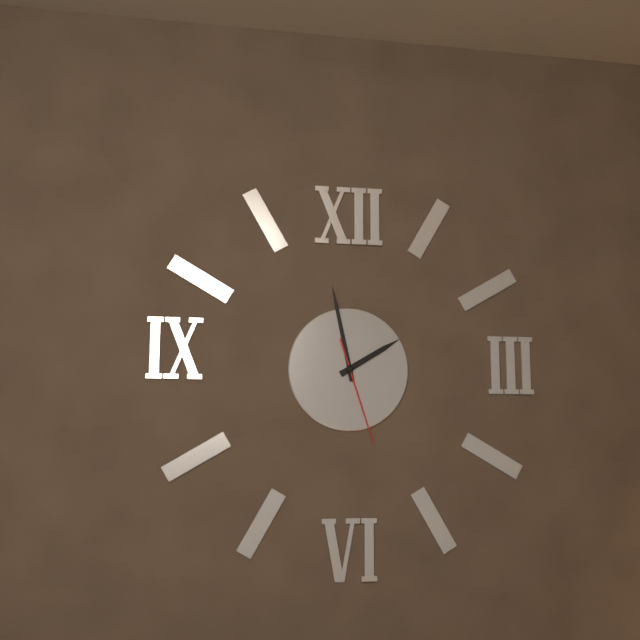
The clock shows h=1 m=58 s=27
